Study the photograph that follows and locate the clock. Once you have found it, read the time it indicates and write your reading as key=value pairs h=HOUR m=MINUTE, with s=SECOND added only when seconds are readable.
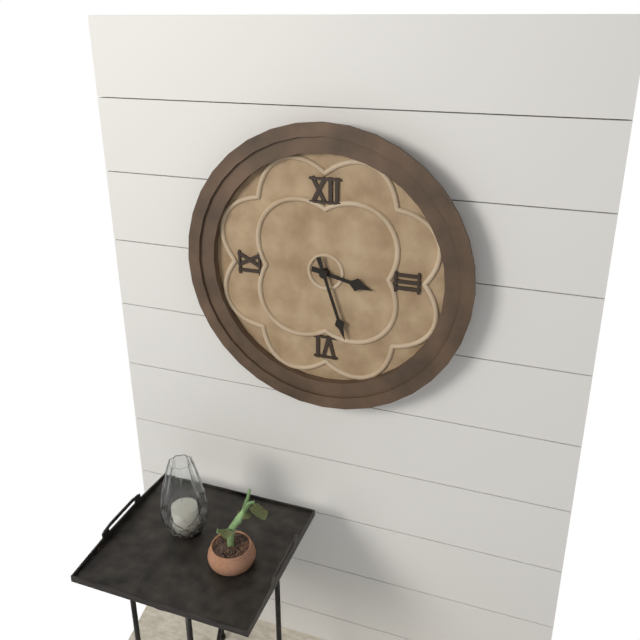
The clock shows h=3 m=27
